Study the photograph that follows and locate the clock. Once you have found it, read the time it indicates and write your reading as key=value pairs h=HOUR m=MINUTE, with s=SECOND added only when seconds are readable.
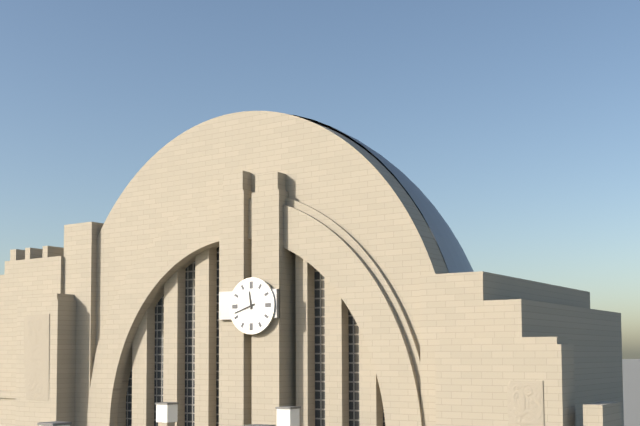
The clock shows h=11 m=42
